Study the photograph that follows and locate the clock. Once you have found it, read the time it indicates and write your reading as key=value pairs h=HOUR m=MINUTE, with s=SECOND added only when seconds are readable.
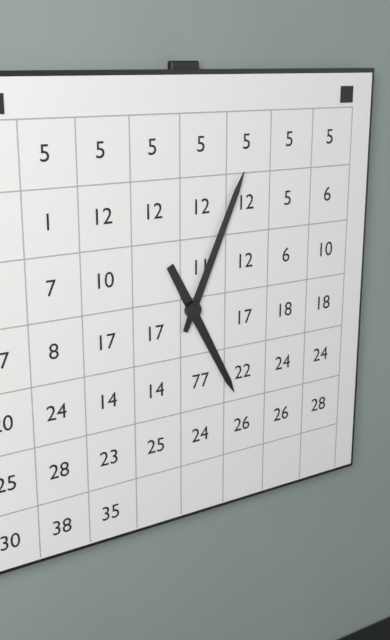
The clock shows h=5 m=4
